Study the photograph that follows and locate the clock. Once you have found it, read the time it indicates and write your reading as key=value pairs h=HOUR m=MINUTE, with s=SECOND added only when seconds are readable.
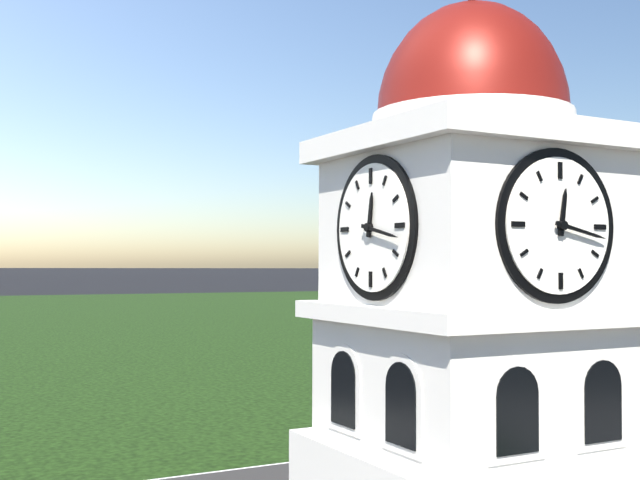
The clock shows h=12 m=17
